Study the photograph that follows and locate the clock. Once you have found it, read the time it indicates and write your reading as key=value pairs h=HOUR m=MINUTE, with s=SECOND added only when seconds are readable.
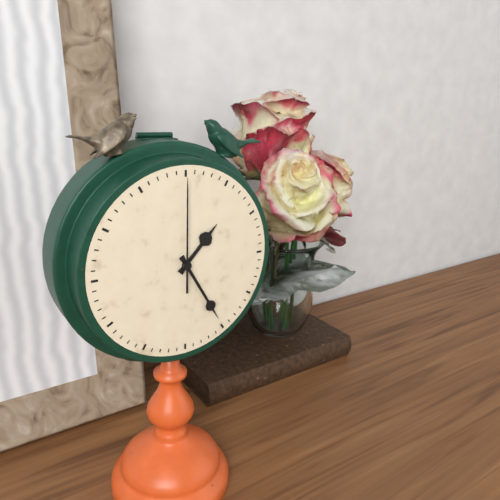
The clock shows h=1 m=25 s=0
